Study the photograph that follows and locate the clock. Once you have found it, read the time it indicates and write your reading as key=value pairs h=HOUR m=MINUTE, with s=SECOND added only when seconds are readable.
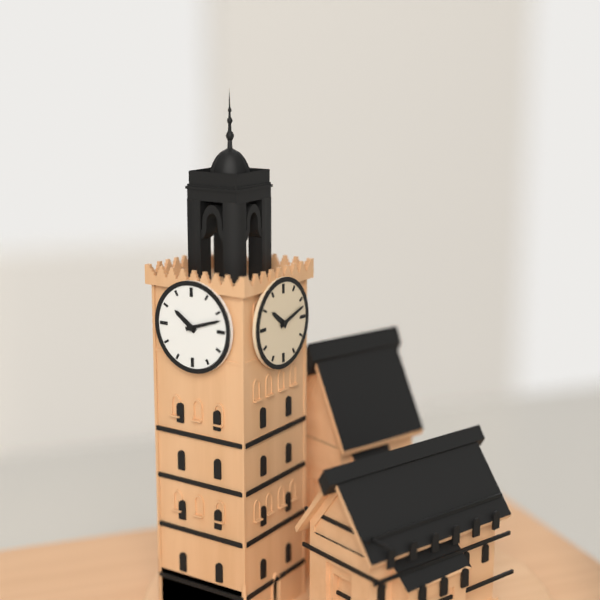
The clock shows h=10 m=12
